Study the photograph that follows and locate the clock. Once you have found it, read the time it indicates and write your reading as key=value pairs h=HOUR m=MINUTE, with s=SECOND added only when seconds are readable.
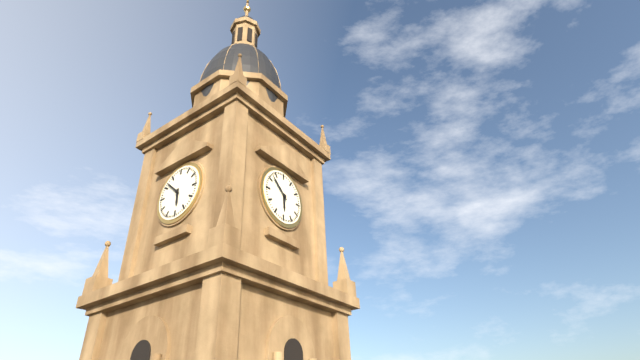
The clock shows h=5 m=52
